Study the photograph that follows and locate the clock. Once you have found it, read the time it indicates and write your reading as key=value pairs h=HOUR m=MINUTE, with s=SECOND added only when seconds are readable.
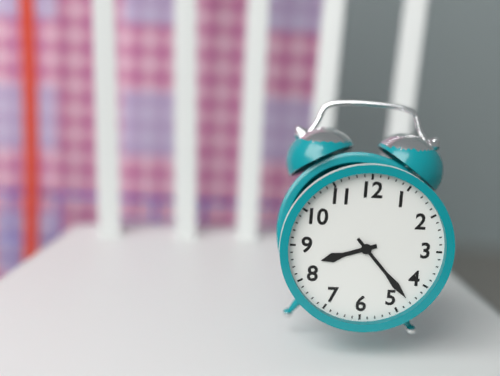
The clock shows h=8 m=23
